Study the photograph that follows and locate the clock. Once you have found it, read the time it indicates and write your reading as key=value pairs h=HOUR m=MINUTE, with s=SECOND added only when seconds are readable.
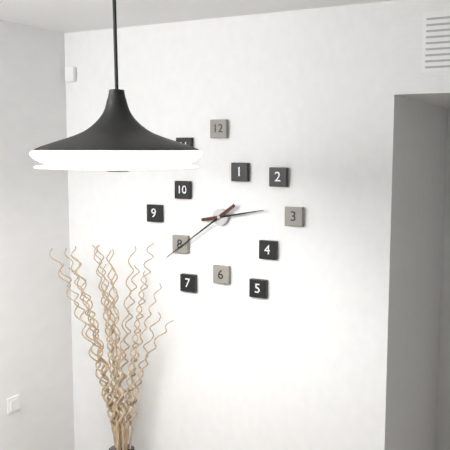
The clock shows h=2 m=39
